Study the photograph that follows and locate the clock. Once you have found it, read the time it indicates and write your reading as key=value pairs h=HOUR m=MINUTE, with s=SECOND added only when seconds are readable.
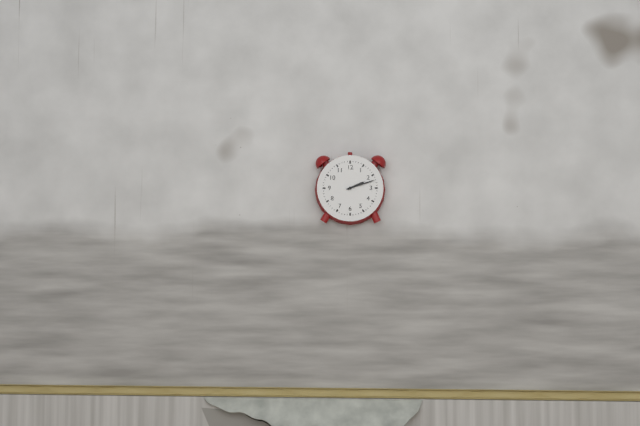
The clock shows h=2 m=12
